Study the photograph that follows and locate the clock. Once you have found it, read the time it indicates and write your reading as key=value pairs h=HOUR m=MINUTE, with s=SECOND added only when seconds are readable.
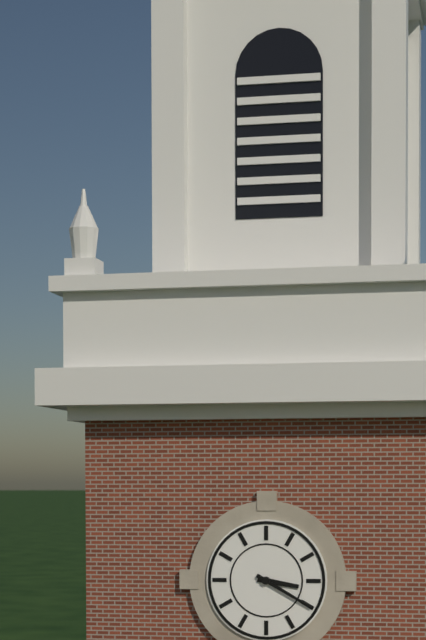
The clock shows h=3 m=20
